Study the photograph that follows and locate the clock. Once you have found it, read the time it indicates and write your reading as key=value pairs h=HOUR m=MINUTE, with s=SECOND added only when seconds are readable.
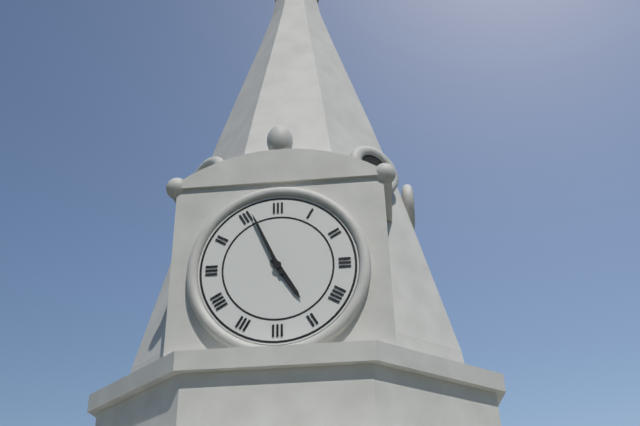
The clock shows h=4 m=56
